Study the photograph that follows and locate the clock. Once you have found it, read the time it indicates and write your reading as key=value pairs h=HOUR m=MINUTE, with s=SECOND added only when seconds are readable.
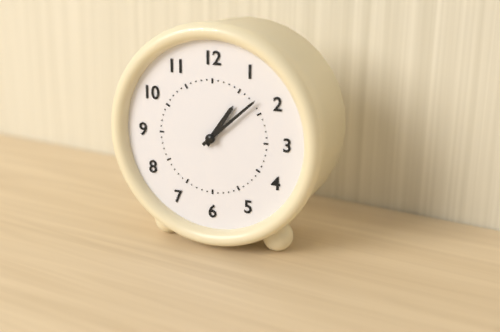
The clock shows h=1 m=8
